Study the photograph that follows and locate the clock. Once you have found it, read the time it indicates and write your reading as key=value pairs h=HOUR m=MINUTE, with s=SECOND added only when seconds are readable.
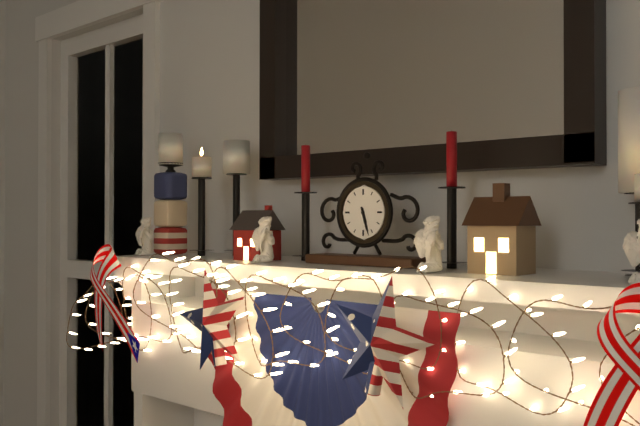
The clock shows h=5 m=27
